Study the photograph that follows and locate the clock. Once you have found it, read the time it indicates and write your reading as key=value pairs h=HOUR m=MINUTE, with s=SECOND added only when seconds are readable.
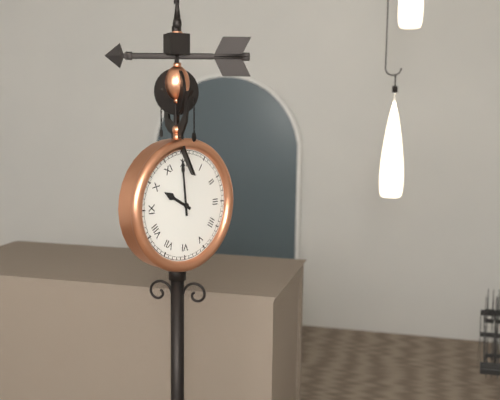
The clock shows h=9 m=59
